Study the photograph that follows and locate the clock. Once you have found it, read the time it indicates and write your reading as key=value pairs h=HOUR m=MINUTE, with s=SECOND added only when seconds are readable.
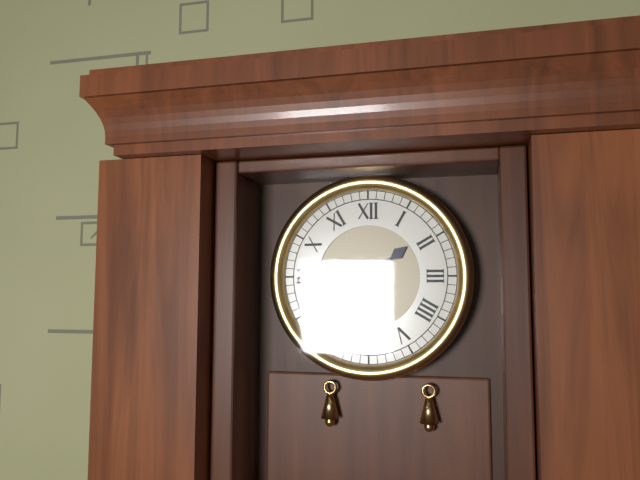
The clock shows h=1 m=46
